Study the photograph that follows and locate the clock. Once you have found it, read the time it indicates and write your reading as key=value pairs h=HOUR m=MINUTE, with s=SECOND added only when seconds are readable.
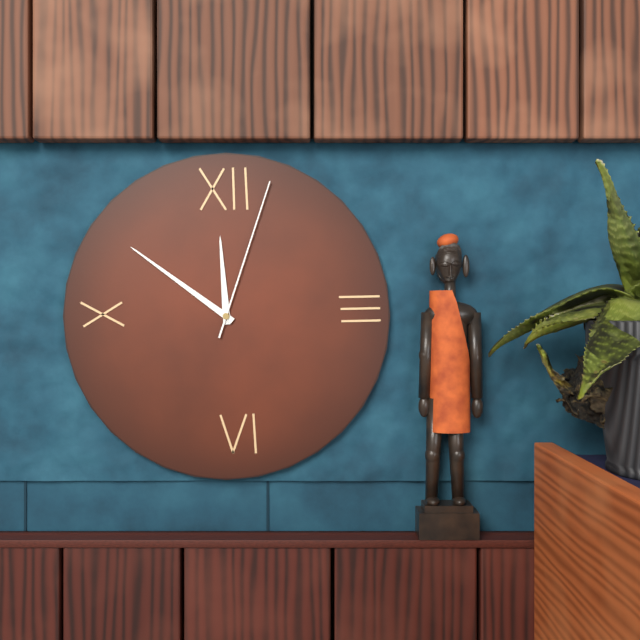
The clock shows h=11 m=51 s=3
